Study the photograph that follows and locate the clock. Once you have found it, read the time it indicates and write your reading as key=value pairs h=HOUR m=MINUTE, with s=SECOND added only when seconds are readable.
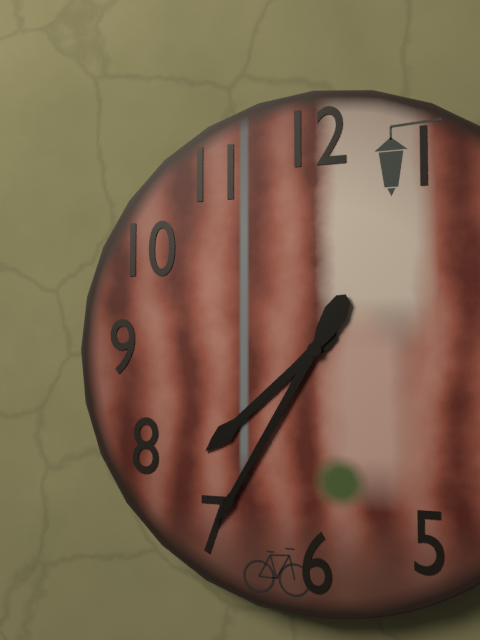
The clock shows h=7 m=35
